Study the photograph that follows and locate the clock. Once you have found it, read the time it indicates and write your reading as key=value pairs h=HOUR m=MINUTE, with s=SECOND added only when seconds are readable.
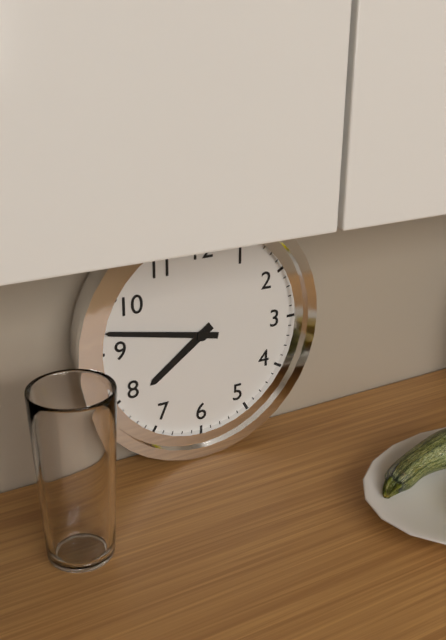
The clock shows h=7 m=47
